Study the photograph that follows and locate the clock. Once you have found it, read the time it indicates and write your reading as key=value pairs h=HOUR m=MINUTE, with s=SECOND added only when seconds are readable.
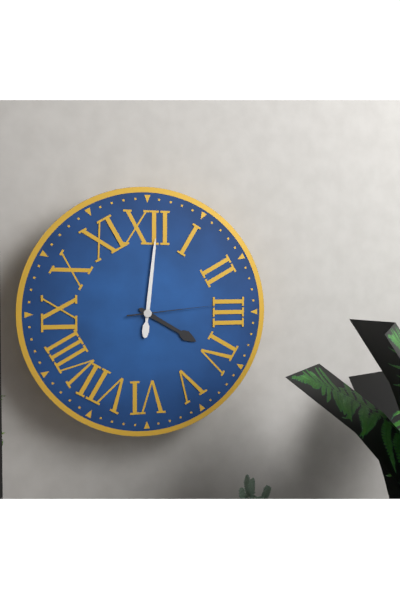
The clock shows h=4 m=1 s=14
